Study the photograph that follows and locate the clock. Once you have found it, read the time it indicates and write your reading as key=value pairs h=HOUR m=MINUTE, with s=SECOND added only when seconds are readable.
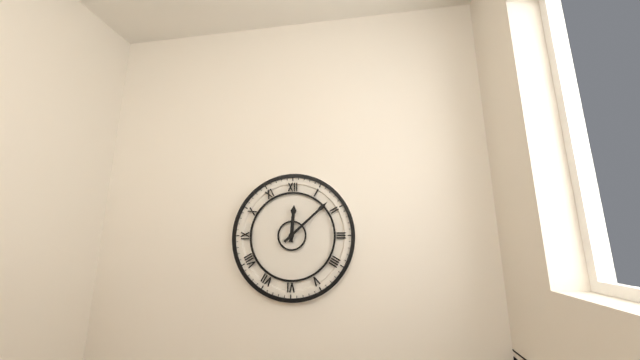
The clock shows h=12 m=8
